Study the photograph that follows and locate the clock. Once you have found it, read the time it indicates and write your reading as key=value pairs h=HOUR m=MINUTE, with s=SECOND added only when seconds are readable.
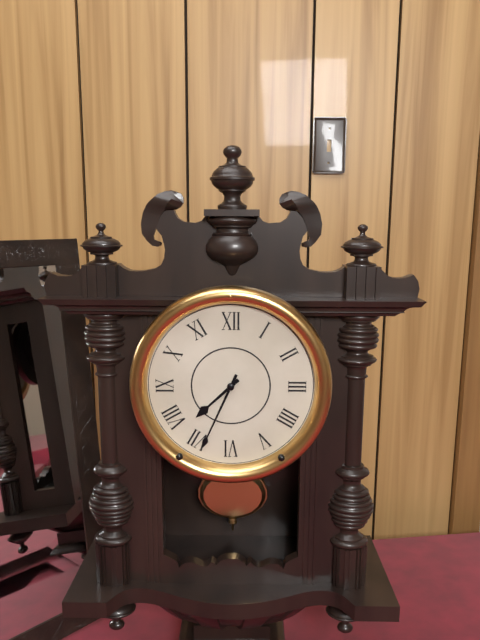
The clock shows h=7 m=34
